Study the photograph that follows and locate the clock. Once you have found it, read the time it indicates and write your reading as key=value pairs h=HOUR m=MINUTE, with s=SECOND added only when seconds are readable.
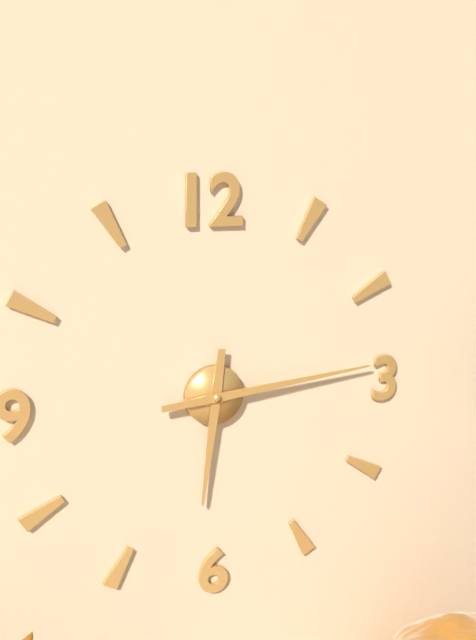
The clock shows h=6 m=14
